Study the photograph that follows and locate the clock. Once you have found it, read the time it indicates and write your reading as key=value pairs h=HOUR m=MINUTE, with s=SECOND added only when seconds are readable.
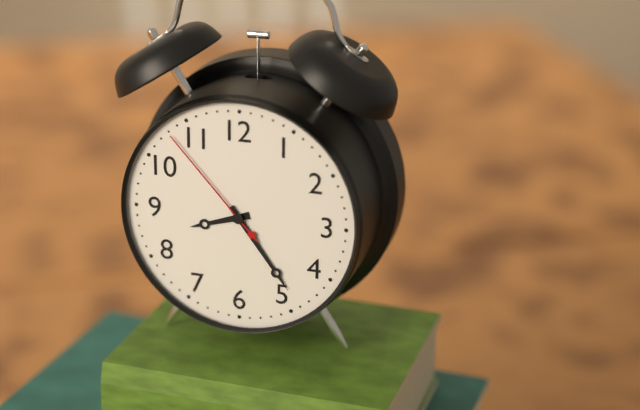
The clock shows h=8 m=24 s=53
